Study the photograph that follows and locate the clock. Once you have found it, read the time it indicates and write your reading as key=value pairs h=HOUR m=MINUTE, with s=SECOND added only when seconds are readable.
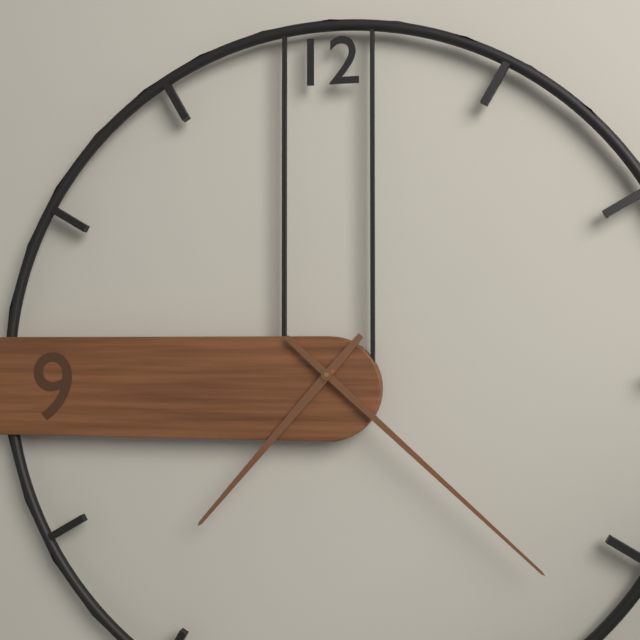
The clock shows h=7 m=22
